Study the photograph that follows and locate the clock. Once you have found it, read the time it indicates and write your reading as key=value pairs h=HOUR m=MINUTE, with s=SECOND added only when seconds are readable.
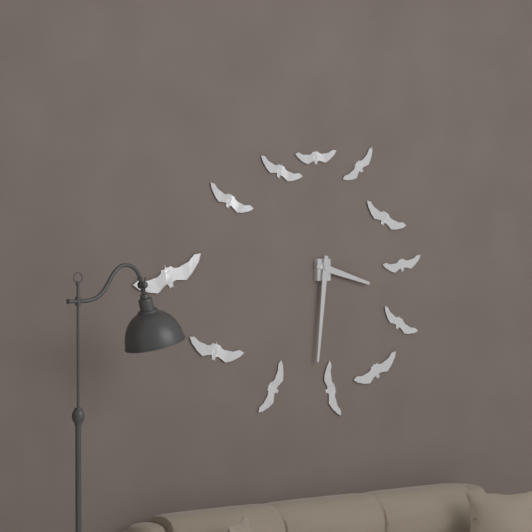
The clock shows h=3 m=31
